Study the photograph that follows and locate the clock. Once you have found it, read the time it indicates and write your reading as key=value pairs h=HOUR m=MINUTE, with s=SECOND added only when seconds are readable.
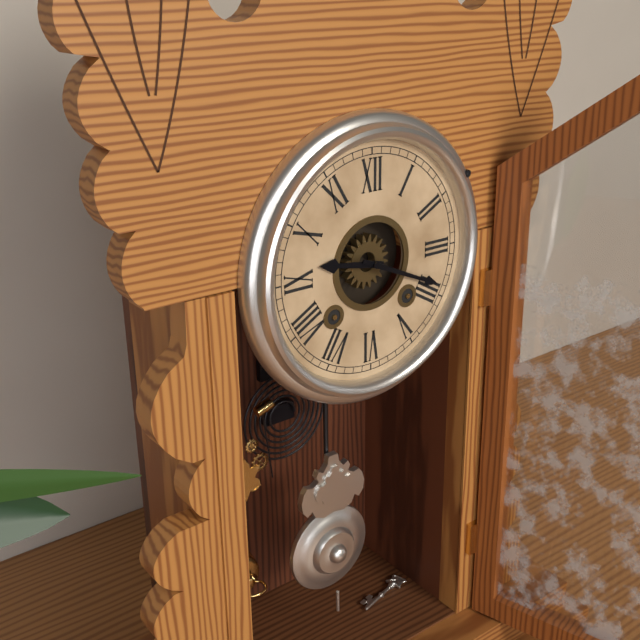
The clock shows h=9 m=19
